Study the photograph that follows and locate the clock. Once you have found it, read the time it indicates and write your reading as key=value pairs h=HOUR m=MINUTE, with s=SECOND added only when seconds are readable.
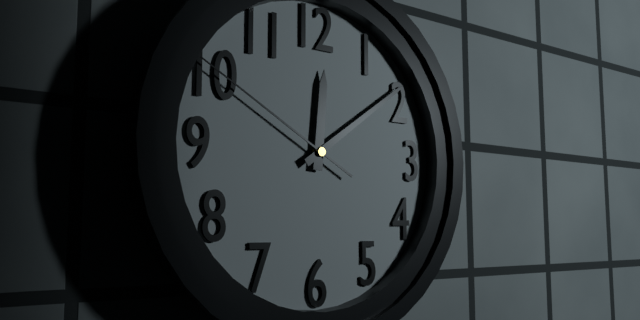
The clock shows h=12 m=9 s=50
